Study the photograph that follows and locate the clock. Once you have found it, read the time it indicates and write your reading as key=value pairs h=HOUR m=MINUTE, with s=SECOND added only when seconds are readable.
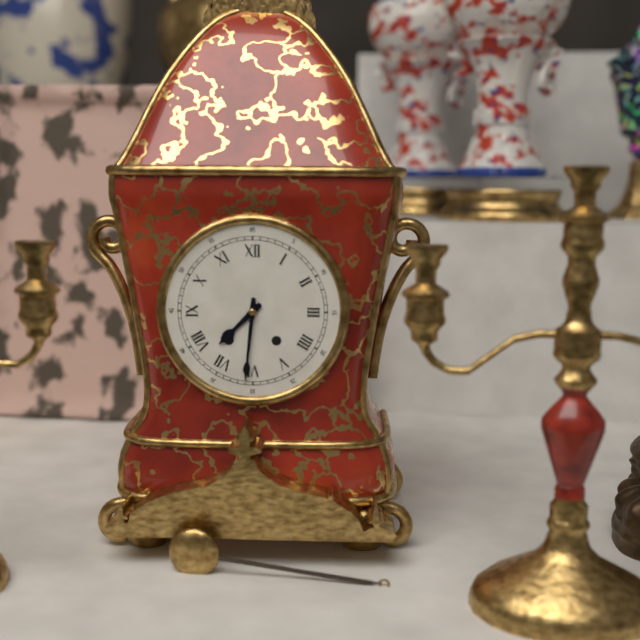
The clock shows h=7 m=31
